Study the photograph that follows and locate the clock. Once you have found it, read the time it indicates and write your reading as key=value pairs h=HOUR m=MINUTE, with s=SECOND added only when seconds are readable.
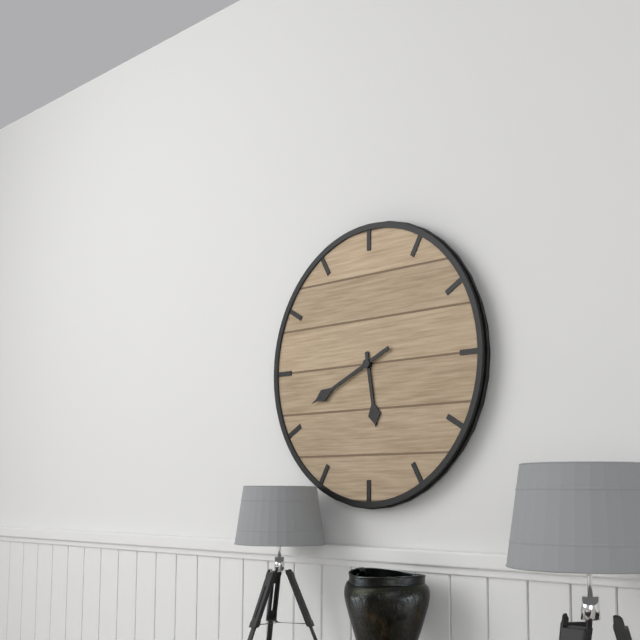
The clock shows h=5 m=41
